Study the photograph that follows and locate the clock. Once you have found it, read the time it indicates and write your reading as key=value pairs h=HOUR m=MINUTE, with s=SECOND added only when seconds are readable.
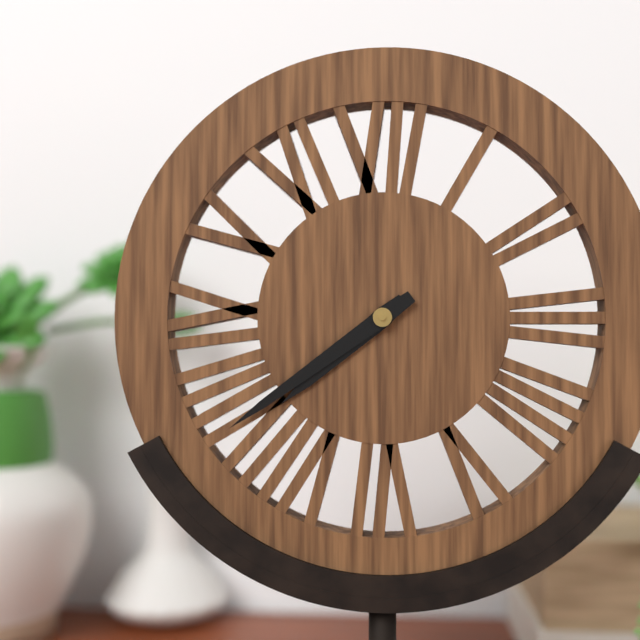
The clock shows h=7 m=39
